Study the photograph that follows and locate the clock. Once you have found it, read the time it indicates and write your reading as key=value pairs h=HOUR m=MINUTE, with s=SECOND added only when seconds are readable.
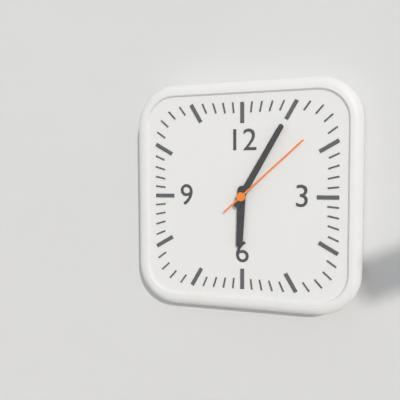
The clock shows h=6 m=5 s=8
